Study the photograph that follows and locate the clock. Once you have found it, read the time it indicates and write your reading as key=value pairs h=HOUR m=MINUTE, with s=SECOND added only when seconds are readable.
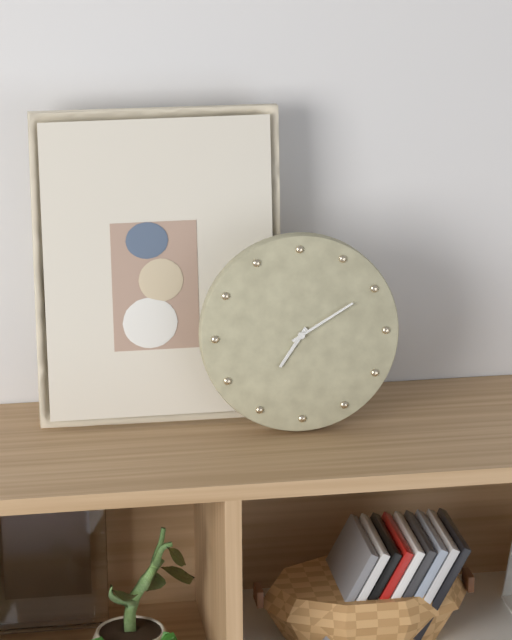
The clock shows h=7 m=10
